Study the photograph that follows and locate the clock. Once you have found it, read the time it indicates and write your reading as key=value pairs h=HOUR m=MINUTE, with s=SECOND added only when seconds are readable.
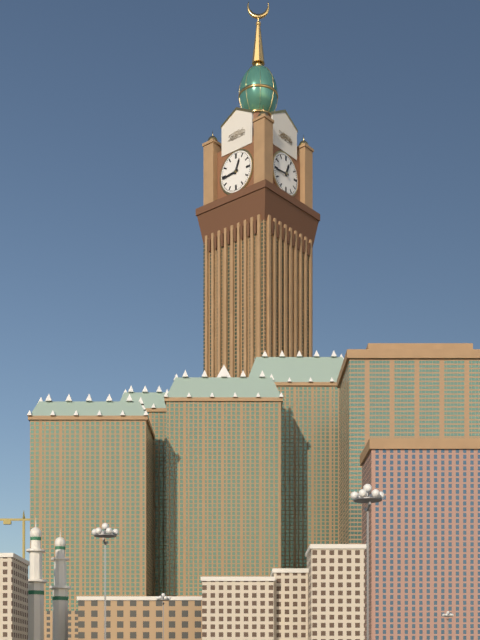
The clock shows h=12 m=44
